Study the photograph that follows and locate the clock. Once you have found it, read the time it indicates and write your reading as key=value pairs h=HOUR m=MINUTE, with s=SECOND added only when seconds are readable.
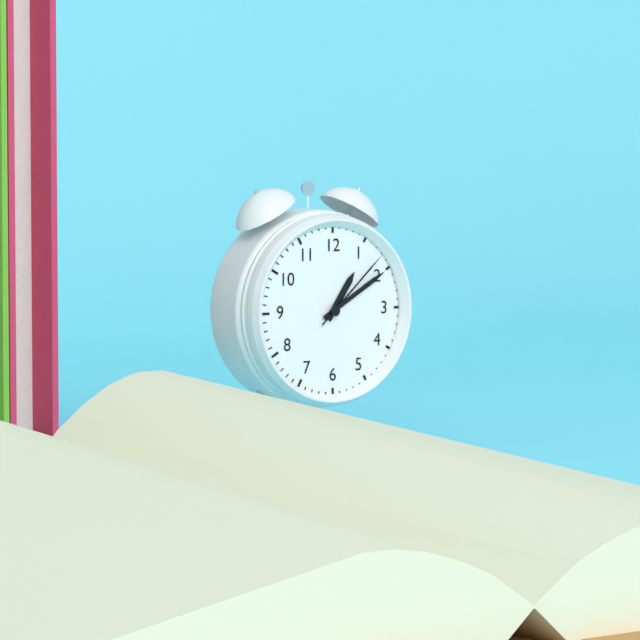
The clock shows h=1 m=10 s=8
